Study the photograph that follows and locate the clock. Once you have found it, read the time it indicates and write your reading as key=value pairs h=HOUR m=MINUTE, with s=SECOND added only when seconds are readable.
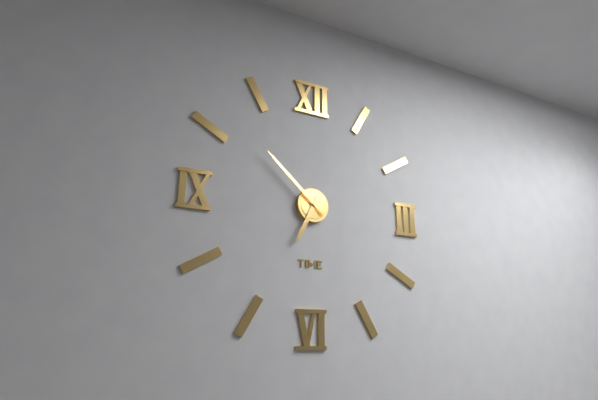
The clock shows h=6 m=52
